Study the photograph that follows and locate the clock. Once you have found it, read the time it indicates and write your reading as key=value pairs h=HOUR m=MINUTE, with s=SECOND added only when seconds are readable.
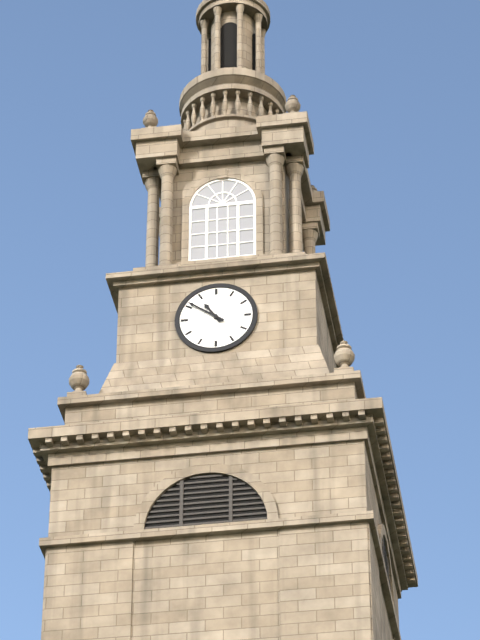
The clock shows h=10 m=51
